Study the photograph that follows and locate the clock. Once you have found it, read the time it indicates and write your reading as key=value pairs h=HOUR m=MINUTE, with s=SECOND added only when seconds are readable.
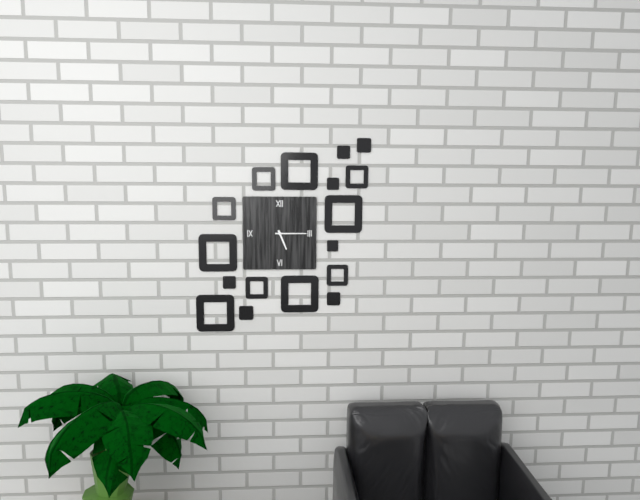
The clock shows h=5 m=15
